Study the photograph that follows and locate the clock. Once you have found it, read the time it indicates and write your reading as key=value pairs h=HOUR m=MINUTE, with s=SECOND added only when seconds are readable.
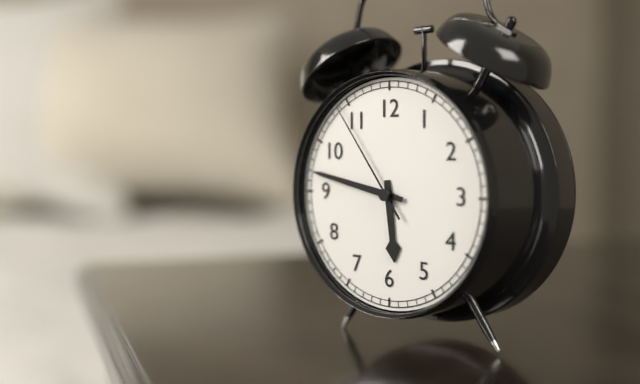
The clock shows h=5 m=47 s=54
